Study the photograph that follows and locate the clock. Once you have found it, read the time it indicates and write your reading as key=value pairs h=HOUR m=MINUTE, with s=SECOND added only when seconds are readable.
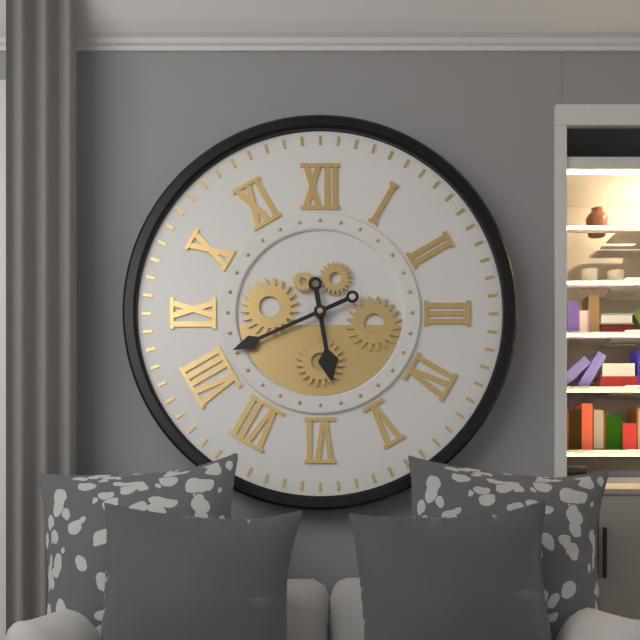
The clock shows h=5 m=41
